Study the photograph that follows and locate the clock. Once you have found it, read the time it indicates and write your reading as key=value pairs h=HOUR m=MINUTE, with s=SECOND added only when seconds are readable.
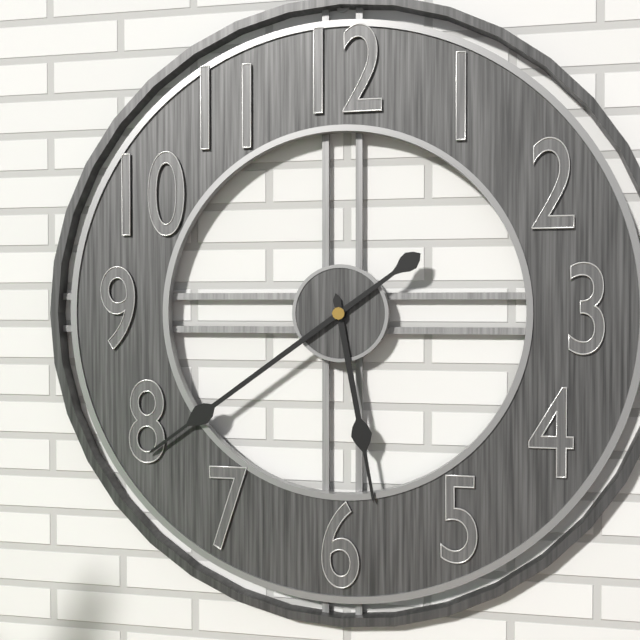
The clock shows h=5 m=39
